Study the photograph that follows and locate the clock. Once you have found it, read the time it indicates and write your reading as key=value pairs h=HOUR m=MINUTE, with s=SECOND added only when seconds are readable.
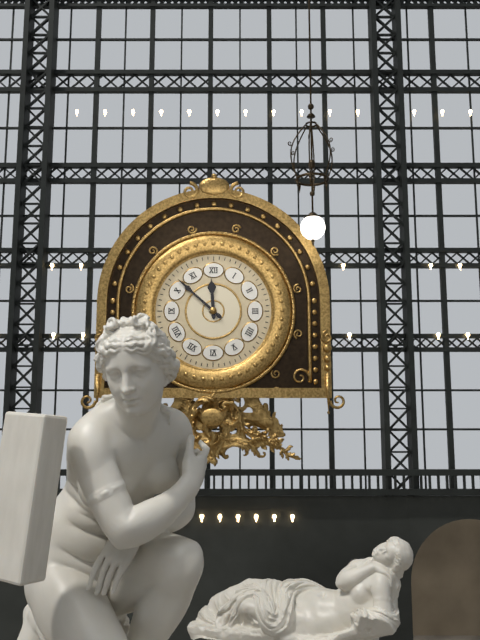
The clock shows h=11 m=52
